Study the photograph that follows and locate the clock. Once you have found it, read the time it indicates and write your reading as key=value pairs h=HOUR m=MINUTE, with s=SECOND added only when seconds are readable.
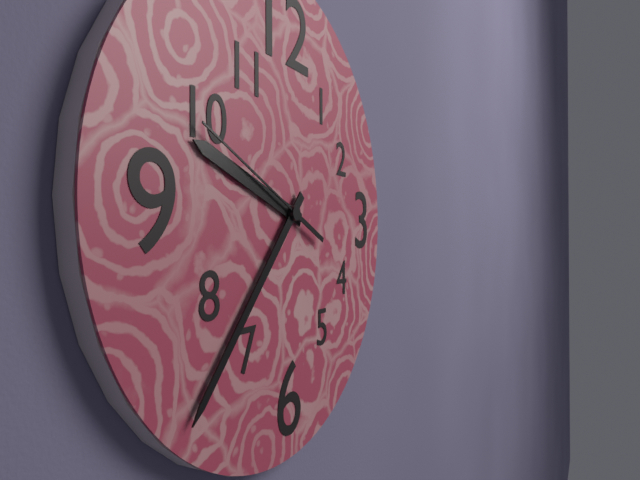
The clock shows h=9 m=37 s=49
